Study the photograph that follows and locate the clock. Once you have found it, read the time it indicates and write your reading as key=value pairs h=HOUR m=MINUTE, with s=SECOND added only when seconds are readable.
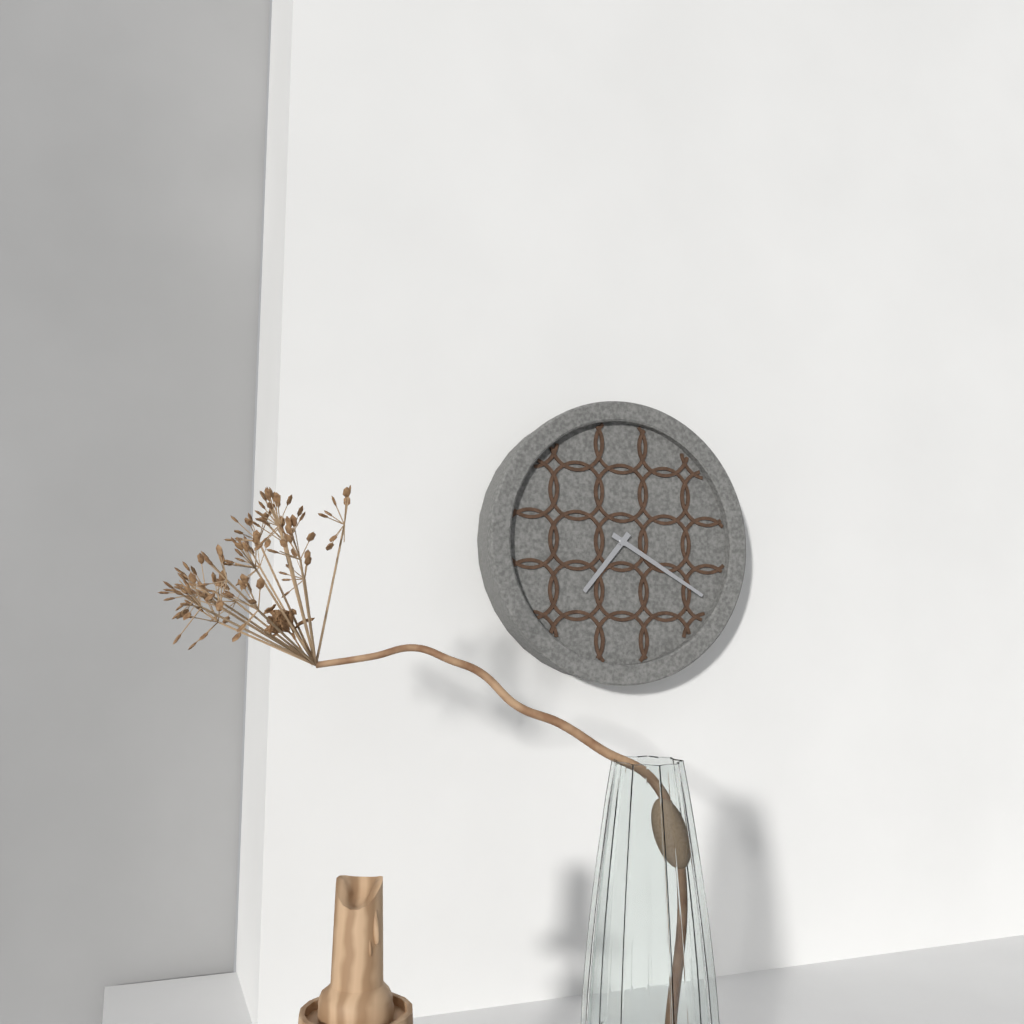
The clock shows h=7 m=20
